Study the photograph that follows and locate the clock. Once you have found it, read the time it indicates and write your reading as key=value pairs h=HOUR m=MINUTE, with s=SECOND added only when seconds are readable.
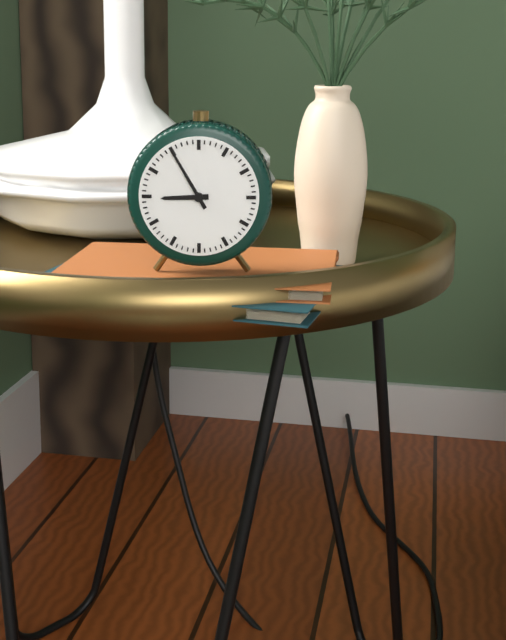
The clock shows h=8 m=55
